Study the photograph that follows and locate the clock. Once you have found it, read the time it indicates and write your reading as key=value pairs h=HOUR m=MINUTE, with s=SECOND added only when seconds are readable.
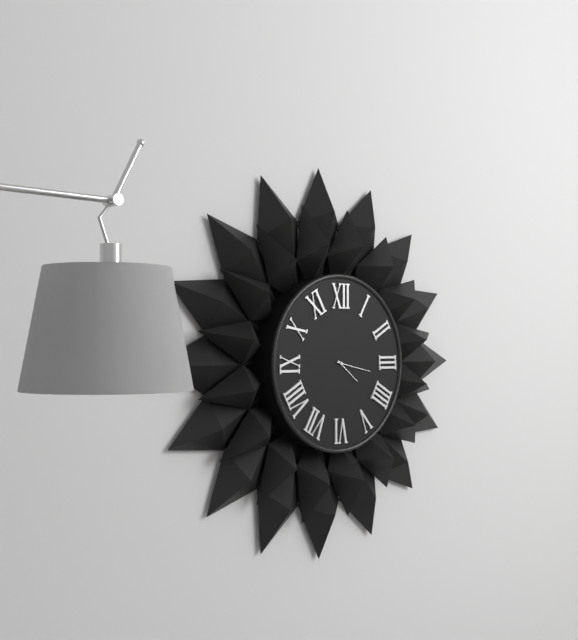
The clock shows h=4 m=17
